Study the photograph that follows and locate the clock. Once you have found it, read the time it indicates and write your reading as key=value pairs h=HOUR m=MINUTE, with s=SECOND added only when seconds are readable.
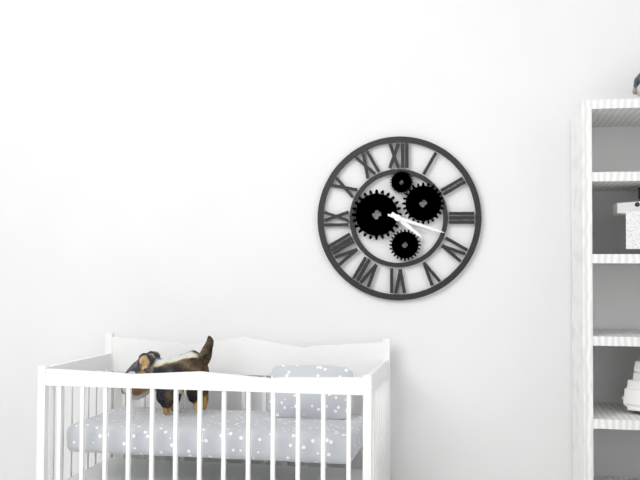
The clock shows h=4 m=18
